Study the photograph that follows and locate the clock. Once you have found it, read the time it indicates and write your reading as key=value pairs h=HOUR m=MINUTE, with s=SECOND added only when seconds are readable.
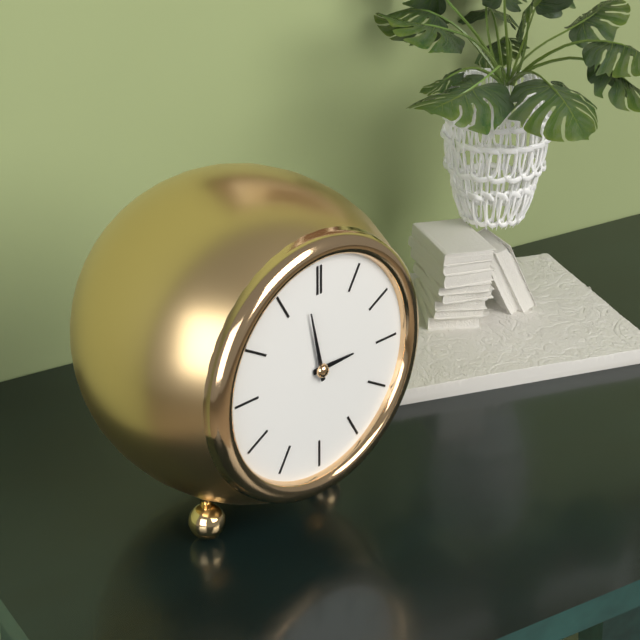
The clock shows h=2 m=58
